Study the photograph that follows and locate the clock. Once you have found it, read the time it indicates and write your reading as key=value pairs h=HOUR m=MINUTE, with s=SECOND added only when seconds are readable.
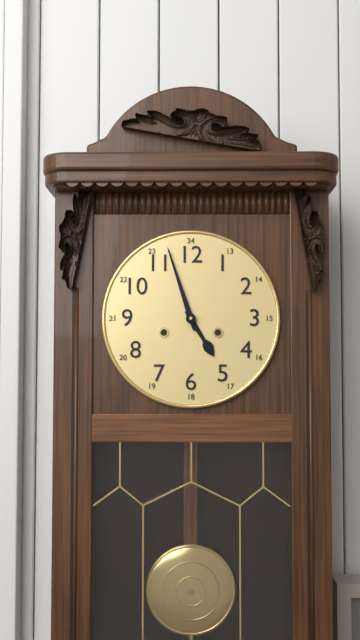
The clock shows h=4 m=57
